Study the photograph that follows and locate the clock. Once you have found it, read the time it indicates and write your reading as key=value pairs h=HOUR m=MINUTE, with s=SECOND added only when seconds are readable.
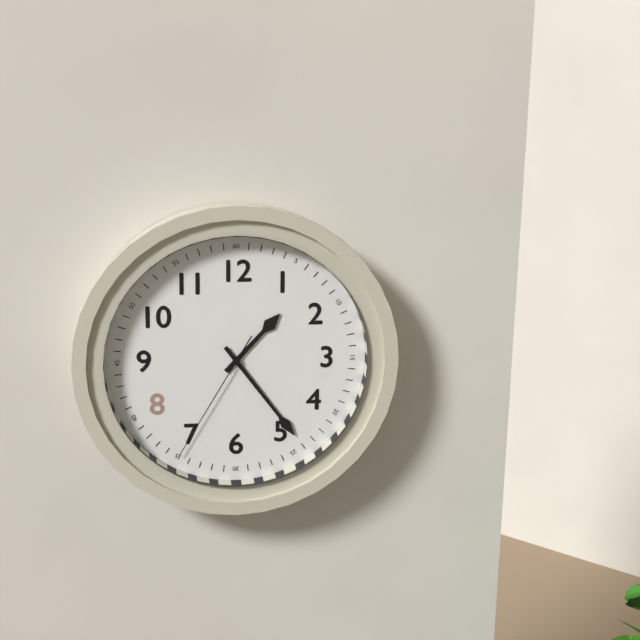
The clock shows h=1 m=24 s=35
